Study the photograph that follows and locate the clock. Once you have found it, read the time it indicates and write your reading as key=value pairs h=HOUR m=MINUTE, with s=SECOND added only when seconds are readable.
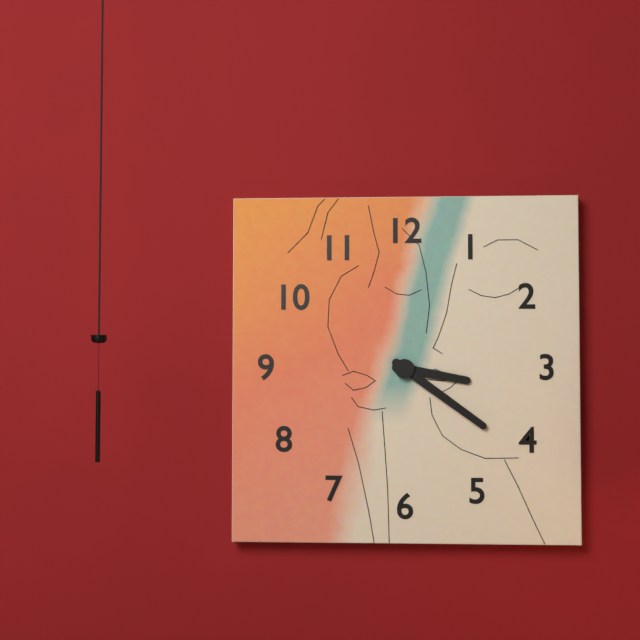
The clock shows h=3 m=21
